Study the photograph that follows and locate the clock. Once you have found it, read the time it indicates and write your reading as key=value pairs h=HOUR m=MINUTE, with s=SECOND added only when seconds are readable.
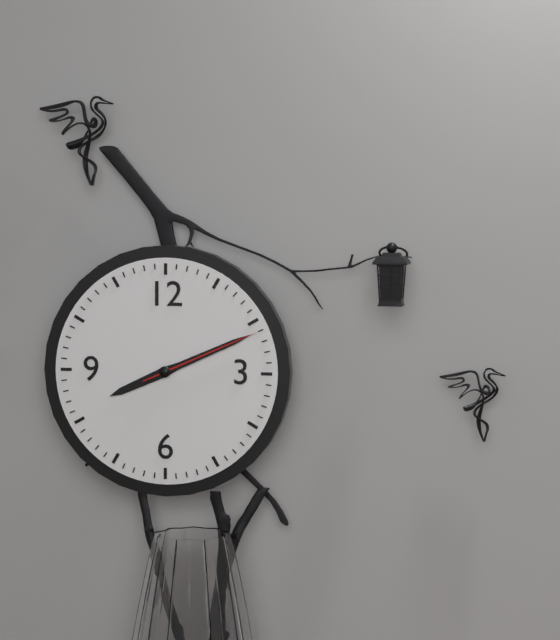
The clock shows h=8 m=11 s=11
